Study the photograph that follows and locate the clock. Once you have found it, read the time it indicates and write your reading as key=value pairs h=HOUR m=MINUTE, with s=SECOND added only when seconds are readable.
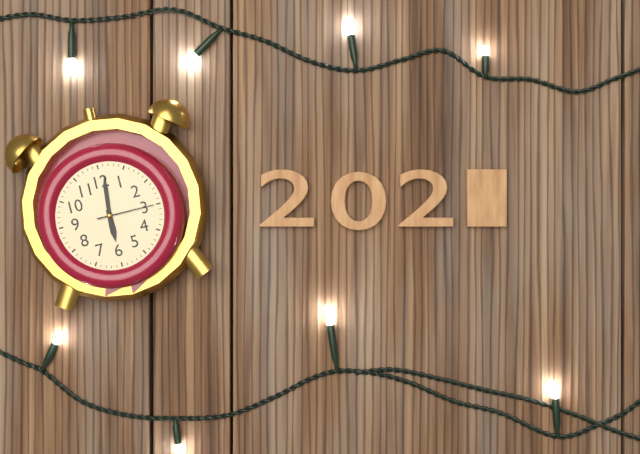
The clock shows h=6 m=1 s=15
